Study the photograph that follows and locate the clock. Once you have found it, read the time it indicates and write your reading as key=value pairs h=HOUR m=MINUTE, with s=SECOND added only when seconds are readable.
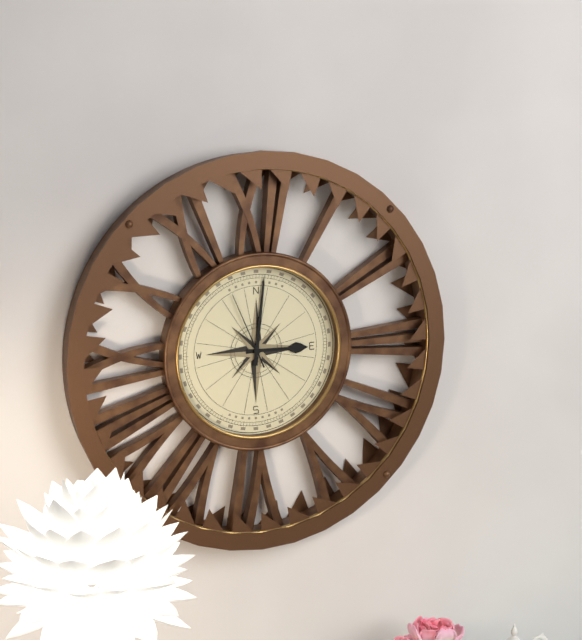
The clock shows h=3 m=1 s=56
